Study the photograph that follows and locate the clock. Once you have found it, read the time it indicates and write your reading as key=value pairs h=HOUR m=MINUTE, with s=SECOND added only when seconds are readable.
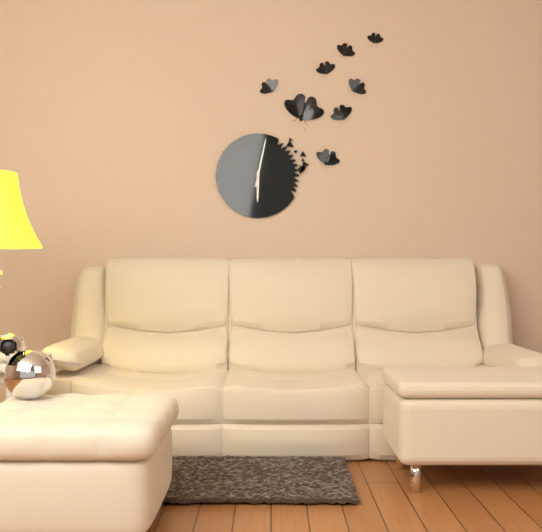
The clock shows h=6 m=2
